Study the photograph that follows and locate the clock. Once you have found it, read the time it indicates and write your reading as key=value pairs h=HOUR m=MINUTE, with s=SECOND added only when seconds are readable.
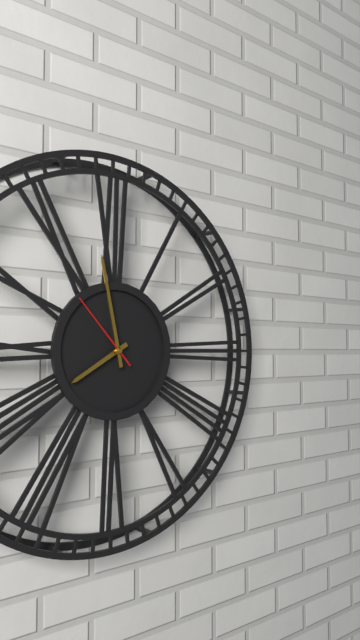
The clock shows h=7 m=58 s=53
